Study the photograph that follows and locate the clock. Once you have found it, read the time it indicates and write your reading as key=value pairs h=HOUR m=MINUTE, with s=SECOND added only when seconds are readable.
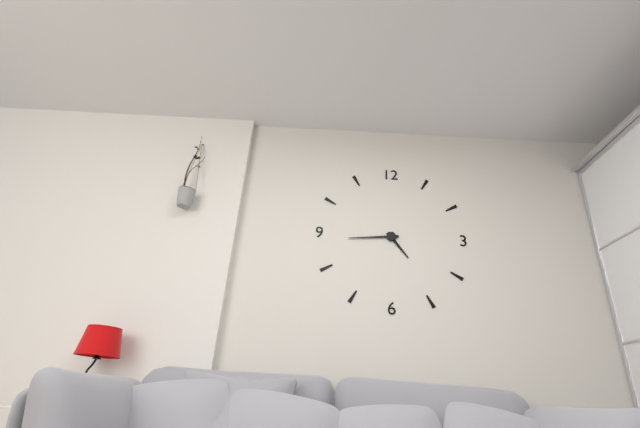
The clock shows h=4 m=44
